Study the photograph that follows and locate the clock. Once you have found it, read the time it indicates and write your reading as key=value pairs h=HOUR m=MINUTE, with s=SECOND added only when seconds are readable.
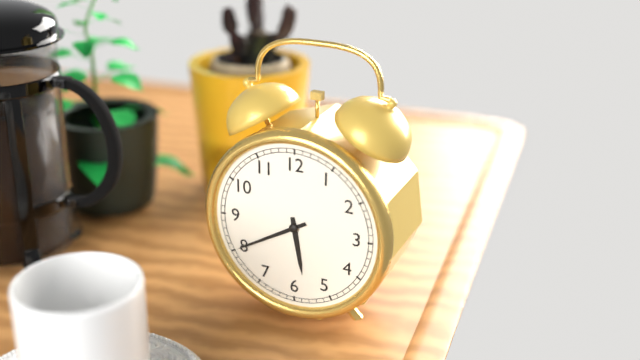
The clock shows h=5 m=40
